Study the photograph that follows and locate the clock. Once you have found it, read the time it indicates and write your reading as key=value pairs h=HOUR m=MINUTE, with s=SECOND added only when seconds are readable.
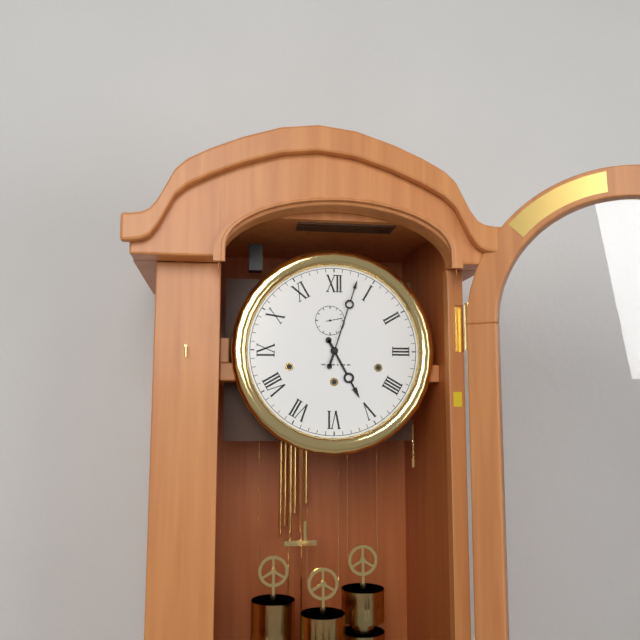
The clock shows h=5 m=3
